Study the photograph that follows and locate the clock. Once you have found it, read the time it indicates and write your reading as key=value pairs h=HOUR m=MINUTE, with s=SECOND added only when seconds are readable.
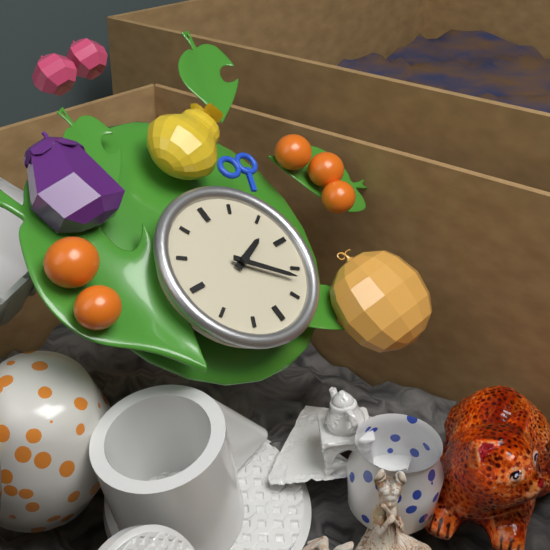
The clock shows h=2 m=22
